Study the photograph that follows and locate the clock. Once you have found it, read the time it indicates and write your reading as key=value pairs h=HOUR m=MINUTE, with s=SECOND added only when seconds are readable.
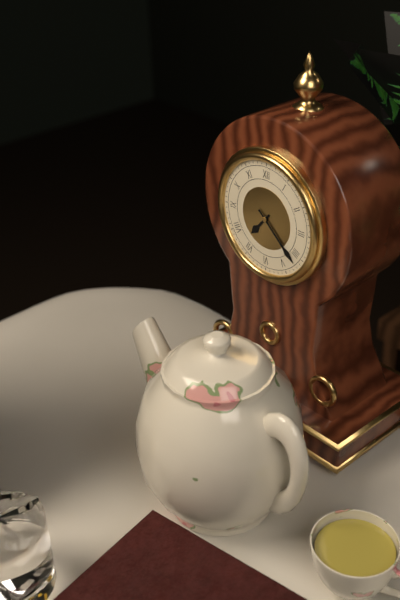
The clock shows h=7 m=22
